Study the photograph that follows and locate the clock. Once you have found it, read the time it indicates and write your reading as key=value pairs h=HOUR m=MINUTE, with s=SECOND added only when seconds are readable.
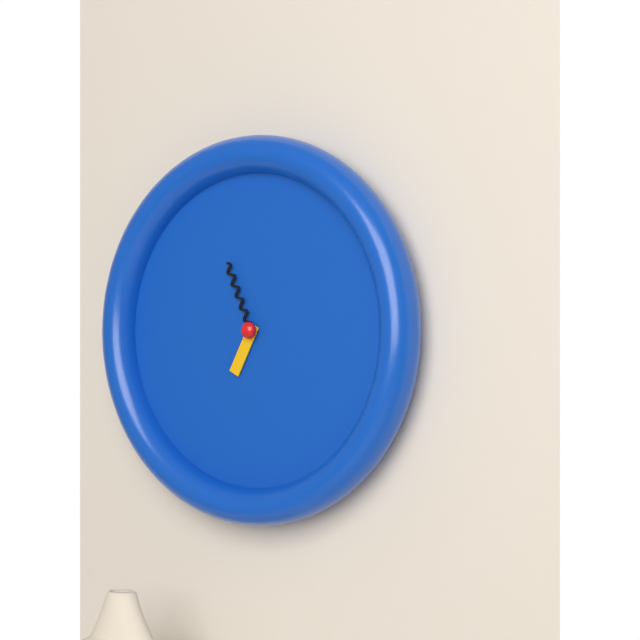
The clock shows h=6 m=56
